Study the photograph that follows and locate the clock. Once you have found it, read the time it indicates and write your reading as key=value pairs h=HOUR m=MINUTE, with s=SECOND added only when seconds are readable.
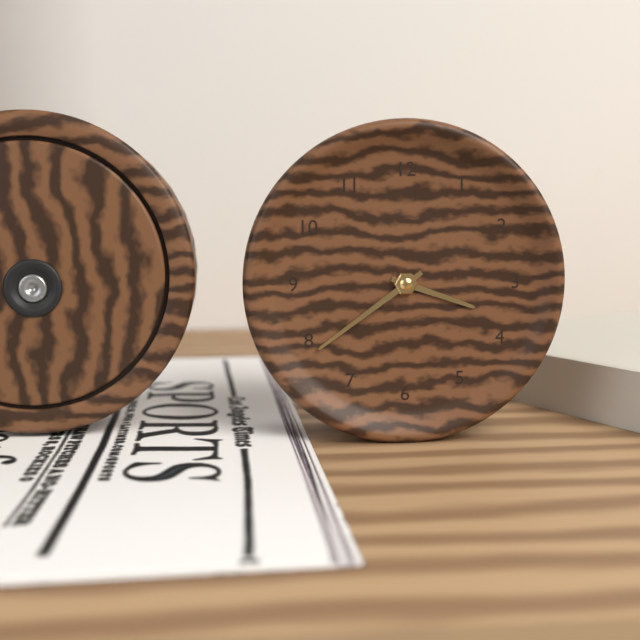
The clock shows h=3 m=39
